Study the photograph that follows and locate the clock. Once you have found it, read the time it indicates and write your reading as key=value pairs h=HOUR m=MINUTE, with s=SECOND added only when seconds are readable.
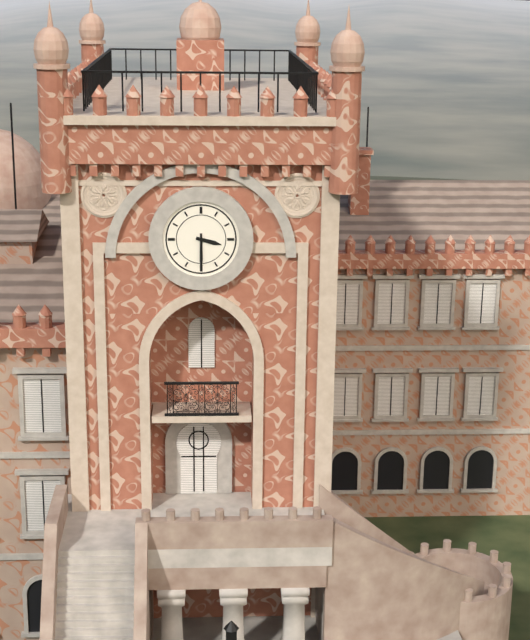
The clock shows h=3 m=30
